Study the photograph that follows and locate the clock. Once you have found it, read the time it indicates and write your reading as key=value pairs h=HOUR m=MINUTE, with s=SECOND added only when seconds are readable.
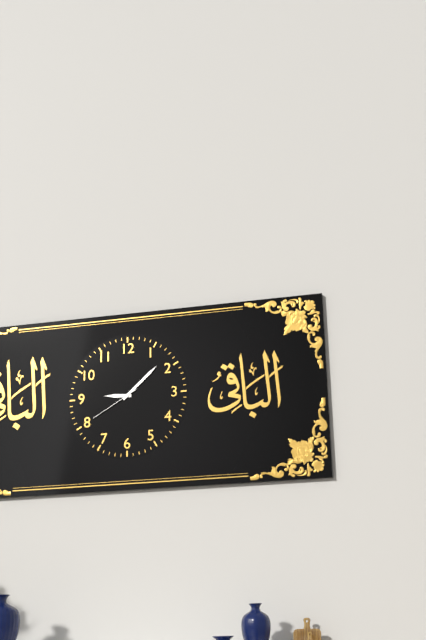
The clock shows h=9 m=8 s=40
